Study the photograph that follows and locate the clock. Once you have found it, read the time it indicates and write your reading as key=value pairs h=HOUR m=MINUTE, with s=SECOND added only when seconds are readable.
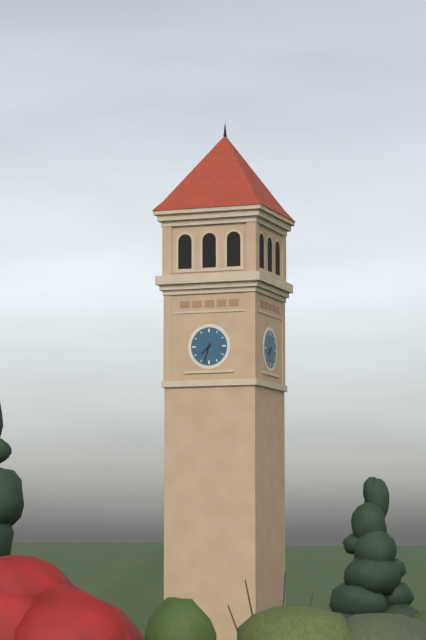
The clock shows h=7 m=33
